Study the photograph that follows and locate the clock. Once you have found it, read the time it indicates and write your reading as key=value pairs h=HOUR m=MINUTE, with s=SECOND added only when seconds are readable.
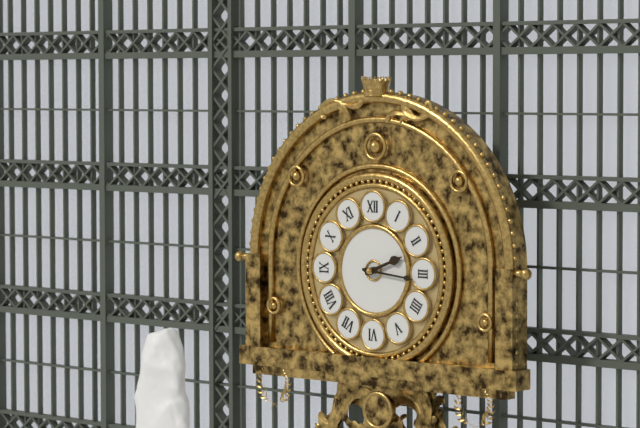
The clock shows h=2 m=16
